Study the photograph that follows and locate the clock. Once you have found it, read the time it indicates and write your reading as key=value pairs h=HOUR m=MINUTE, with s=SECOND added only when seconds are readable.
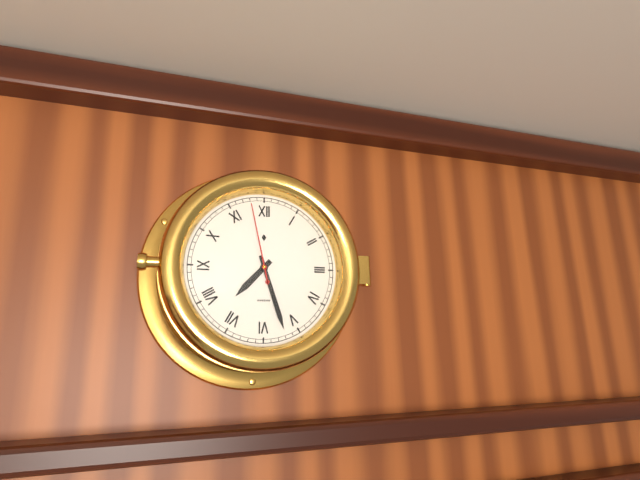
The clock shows h=7 m=27 s=58
